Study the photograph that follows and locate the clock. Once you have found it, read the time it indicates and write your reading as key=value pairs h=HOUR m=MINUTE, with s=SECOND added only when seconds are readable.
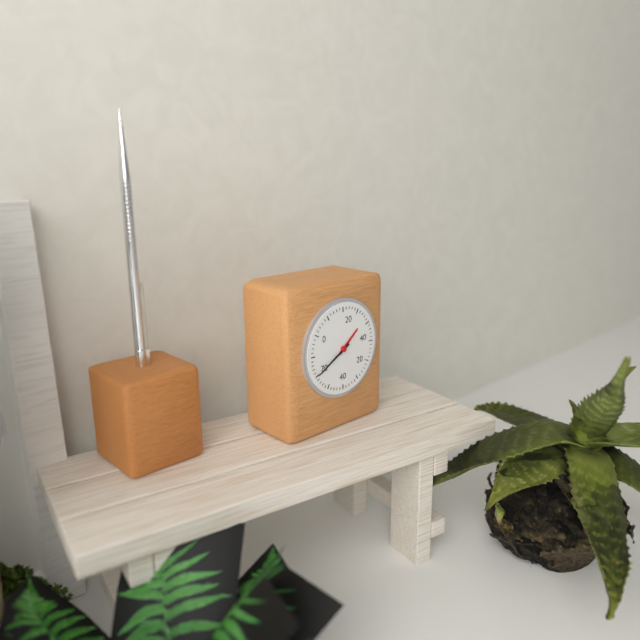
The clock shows h=1 m=40
